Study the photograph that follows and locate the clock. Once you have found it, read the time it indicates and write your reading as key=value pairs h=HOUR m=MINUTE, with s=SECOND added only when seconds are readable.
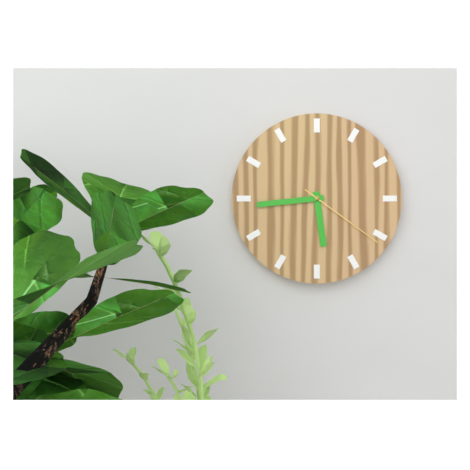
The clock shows h=5 m=44 s=21
